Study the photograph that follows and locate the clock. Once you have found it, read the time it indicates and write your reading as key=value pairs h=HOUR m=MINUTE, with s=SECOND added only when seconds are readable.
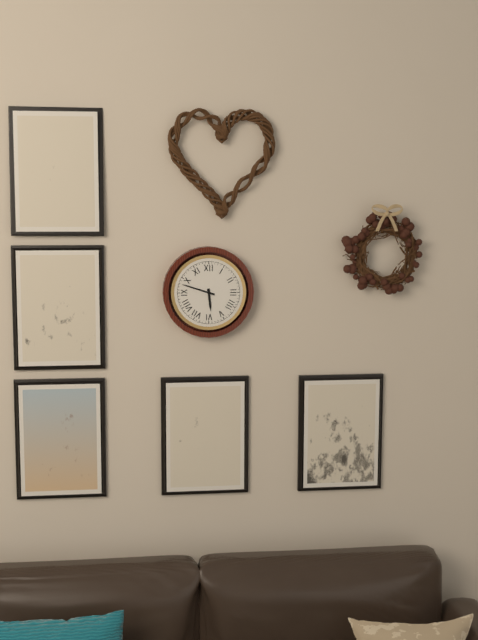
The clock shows h=5 m=48
